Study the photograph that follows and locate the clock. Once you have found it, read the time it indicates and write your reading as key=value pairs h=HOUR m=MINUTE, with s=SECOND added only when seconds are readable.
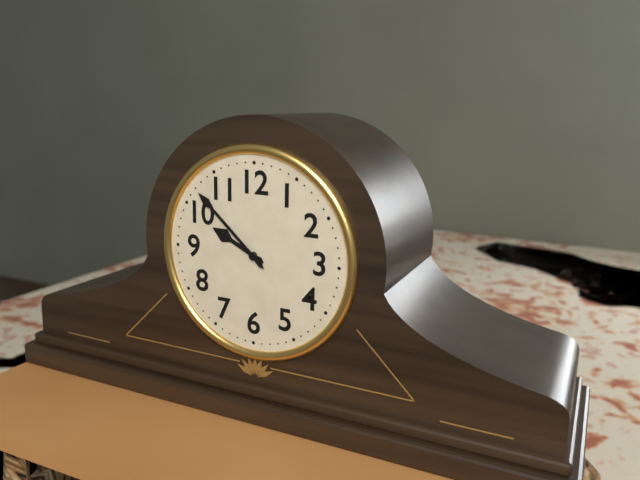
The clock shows h=9 m=52
